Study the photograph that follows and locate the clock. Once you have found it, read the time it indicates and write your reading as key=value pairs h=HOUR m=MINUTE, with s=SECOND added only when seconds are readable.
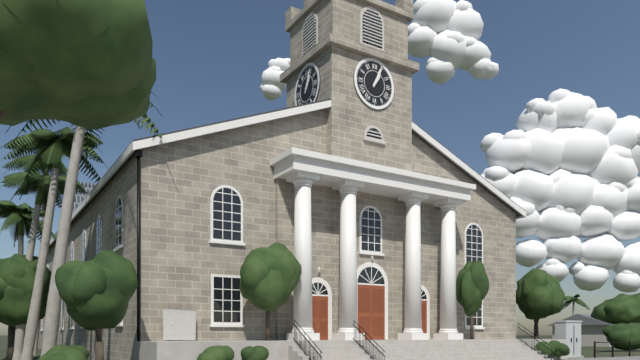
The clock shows h=1 m=4
